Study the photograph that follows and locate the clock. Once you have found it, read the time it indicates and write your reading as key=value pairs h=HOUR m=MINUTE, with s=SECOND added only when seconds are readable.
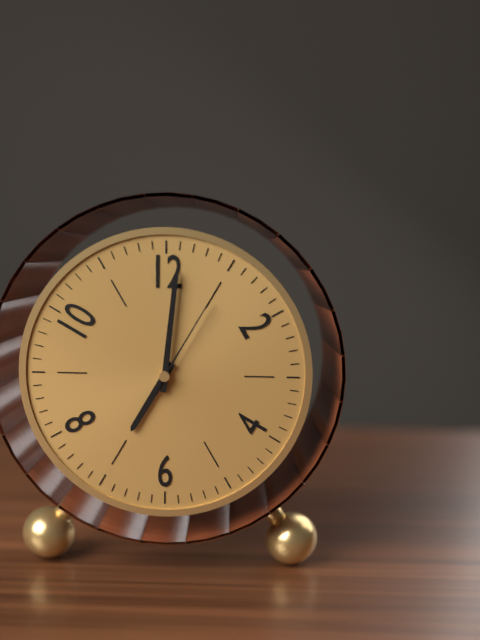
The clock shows h=7 m=1 s=5
